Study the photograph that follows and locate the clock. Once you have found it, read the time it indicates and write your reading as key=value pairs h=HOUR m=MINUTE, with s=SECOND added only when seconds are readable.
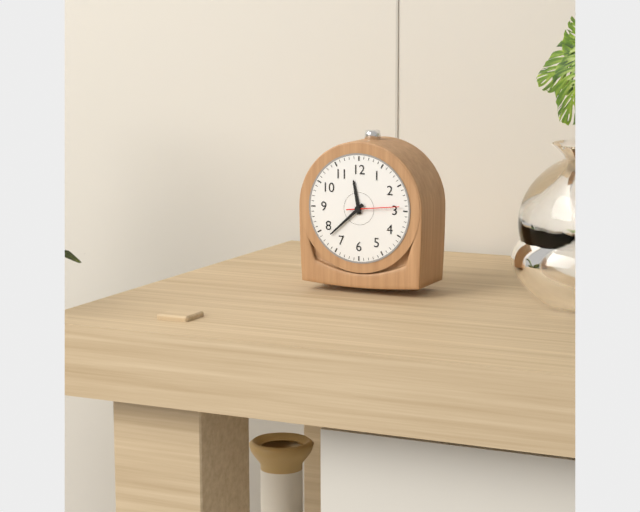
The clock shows h=11 m=38 s=14
